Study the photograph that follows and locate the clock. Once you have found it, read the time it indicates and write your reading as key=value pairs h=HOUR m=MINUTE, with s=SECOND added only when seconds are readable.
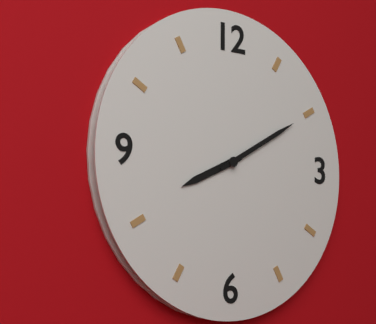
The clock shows h=8 m=10
